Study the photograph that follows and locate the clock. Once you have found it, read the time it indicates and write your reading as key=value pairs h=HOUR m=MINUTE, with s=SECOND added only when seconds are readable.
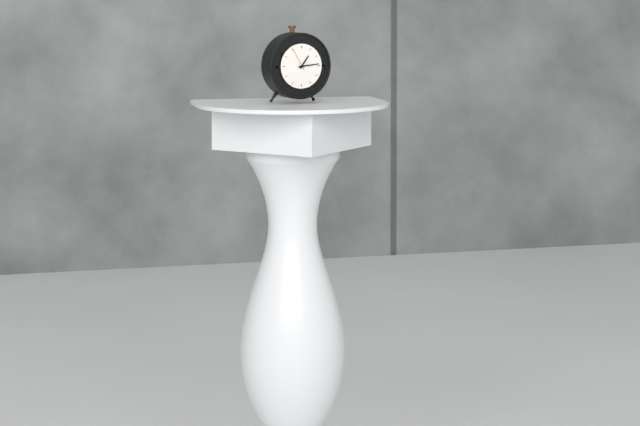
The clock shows h=1 m=14
